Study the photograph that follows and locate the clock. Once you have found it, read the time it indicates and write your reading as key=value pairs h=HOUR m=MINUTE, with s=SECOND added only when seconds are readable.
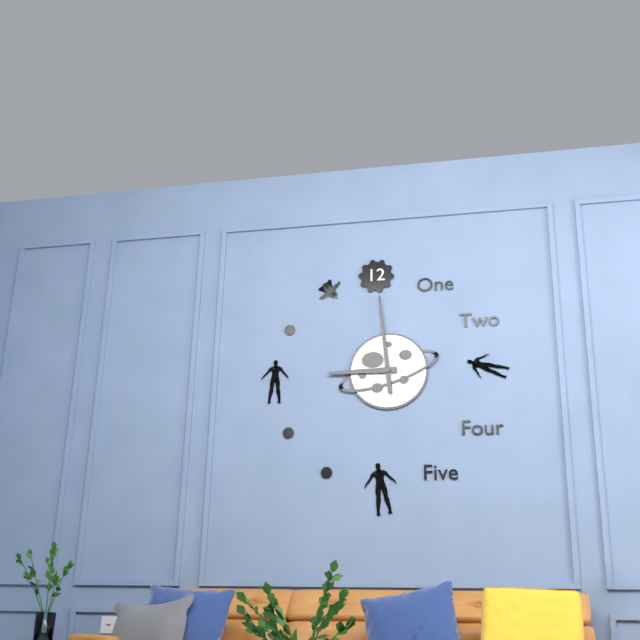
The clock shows h=8 m=59
